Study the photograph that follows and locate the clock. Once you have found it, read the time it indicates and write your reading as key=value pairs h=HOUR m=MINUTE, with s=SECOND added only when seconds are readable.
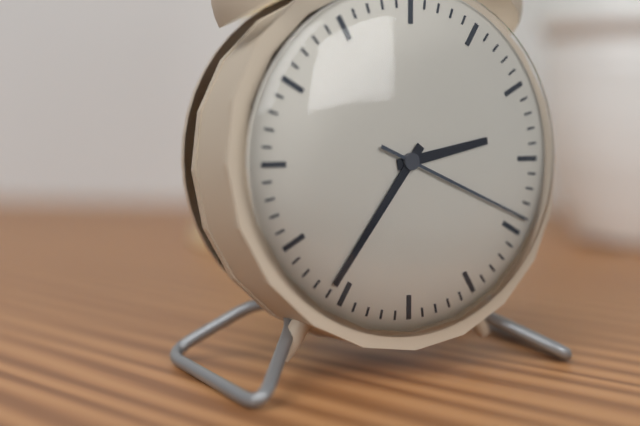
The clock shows h=2 m=36 s=19
